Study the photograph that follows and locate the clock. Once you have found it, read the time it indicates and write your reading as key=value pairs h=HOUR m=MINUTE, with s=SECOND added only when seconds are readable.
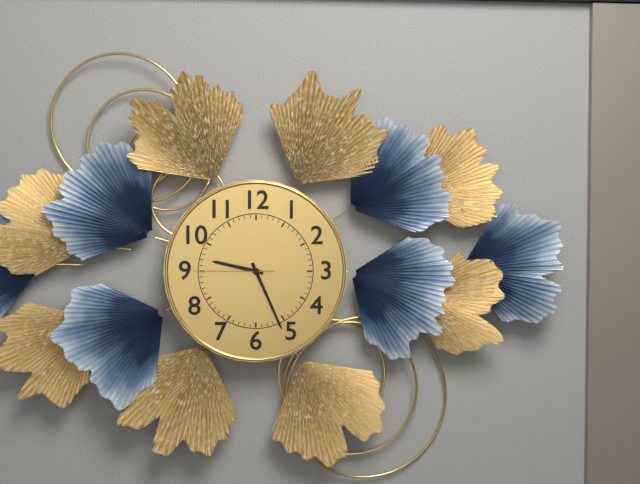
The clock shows h=9 m=26 s=45
